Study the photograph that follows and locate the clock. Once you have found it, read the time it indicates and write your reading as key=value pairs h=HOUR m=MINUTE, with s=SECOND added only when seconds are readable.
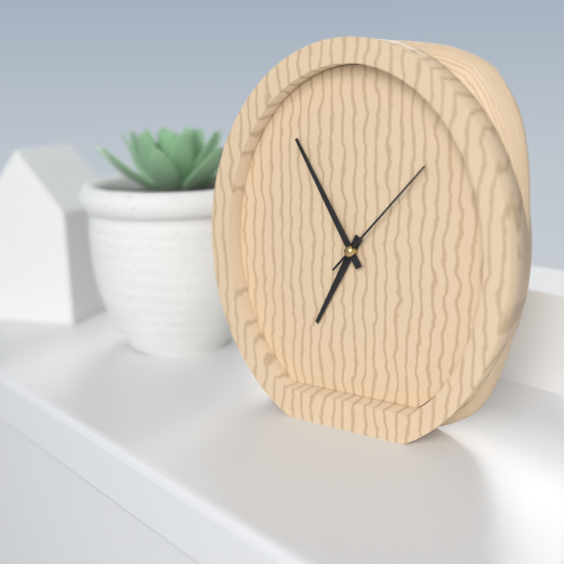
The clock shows h=6 m=55 s=7
